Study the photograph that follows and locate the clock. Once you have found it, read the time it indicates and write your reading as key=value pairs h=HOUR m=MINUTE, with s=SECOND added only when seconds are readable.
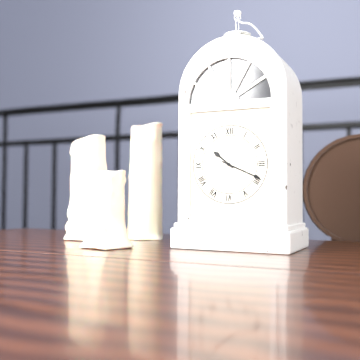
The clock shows h=10 m=19
